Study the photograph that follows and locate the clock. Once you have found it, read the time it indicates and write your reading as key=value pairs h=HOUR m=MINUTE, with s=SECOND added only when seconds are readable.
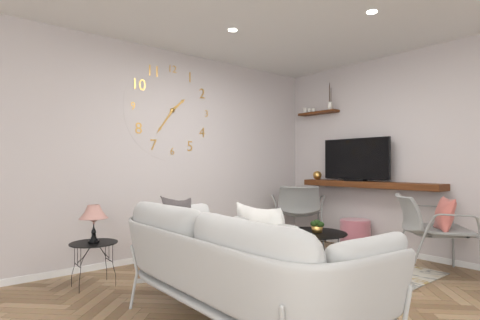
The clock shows h=1 m=36
